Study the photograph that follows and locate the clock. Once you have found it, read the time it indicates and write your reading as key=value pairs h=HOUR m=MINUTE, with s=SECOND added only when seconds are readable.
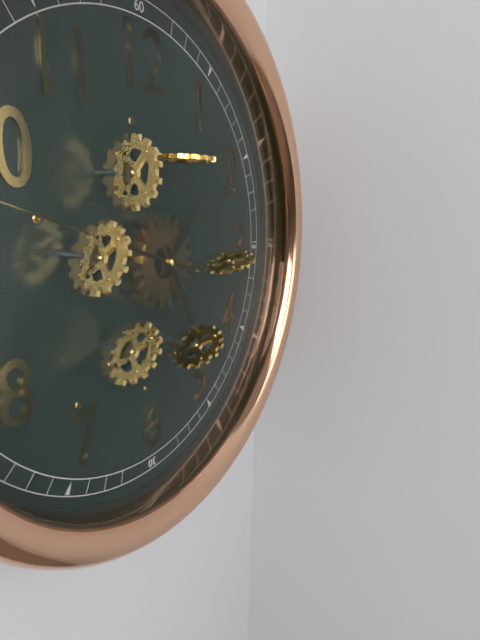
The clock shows h=1 m=25
